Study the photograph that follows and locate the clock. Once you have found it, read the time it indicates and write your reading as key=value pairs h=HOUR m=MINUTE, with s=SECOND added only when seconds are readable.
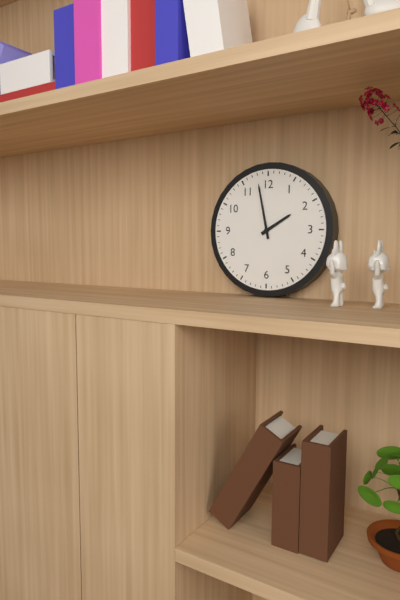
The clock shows h=1 m=58
